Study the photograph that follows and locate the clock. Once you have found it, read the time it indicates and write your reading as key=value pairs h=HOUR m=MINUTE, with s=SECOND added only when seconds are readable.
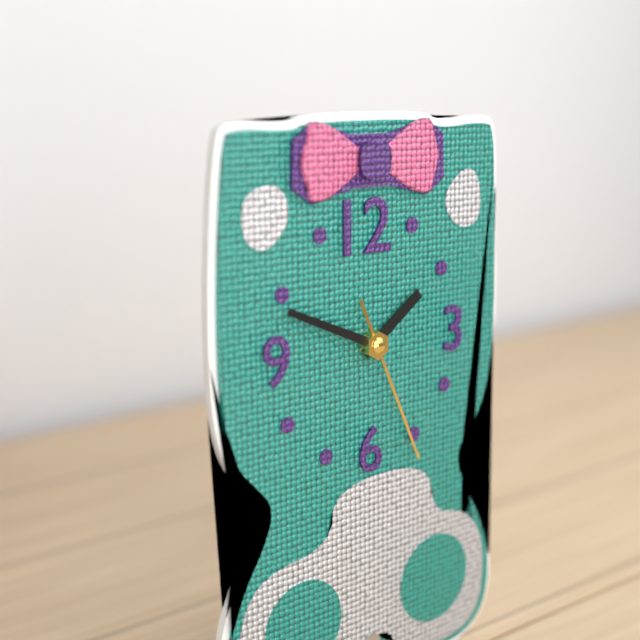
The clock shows h=1 m=49 s=26
